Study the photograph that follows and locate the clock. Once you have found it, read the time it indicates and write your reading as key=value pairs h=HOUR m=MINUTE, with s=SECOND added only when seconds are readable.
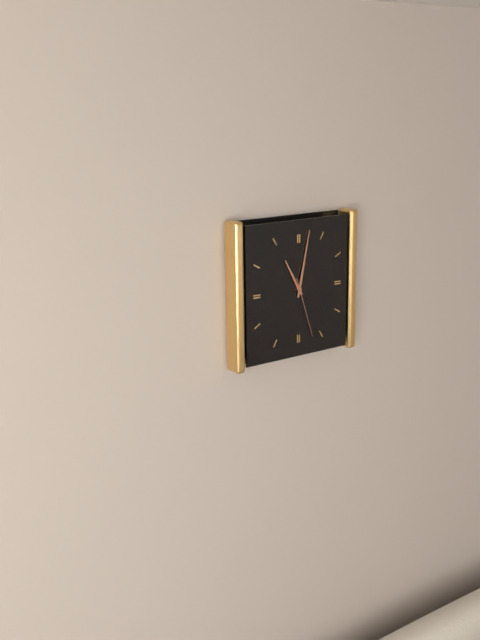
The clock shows h=11 m=2 s=27
